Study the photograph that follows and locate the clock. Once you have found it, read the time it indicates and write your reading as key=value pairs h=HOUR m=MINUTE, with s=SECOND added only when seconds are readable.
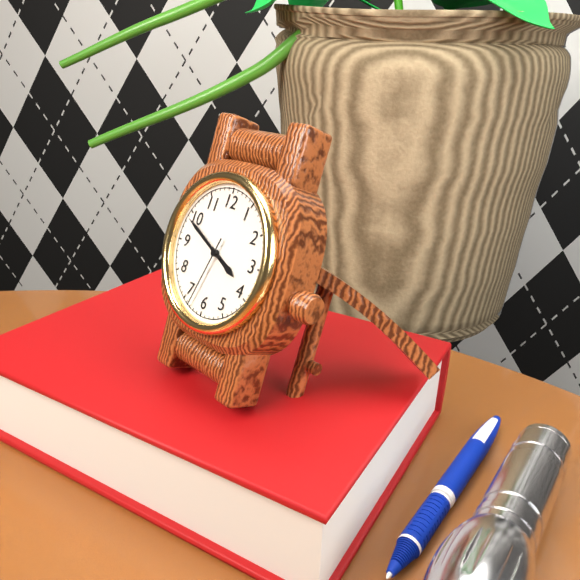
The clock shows h=3 m=49 s=33
